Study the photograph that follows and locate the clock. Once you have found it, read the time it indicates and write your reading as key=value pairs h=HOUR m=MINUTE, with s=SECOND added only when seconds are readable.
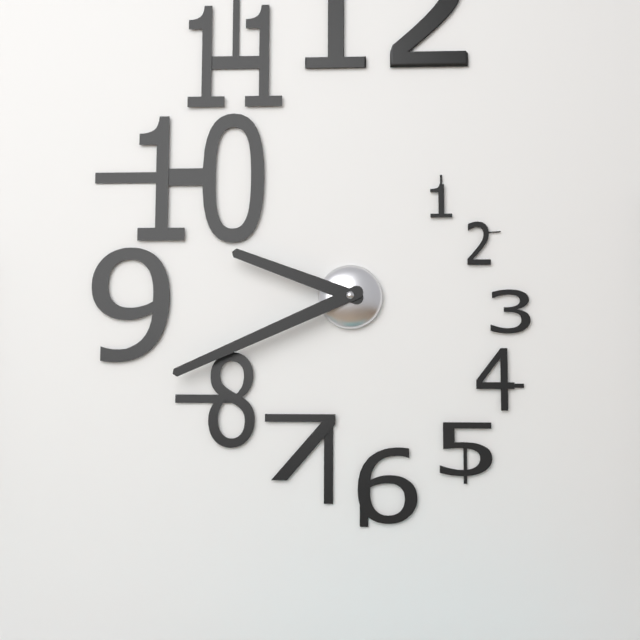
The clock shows h=9 m=41
